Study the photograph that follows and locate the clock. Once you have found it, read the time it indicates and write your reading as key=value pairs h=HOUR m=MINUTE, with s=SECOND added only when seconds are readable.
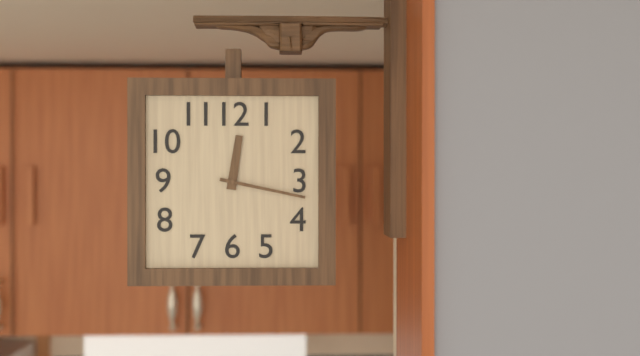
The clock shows h=12 m=17
